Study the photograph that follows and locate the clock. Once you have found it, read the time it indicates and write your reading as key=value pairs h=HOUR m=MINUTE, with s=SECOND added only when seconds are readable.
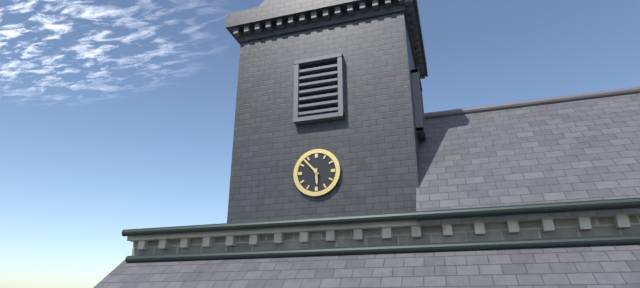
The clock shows h=5 m=53
